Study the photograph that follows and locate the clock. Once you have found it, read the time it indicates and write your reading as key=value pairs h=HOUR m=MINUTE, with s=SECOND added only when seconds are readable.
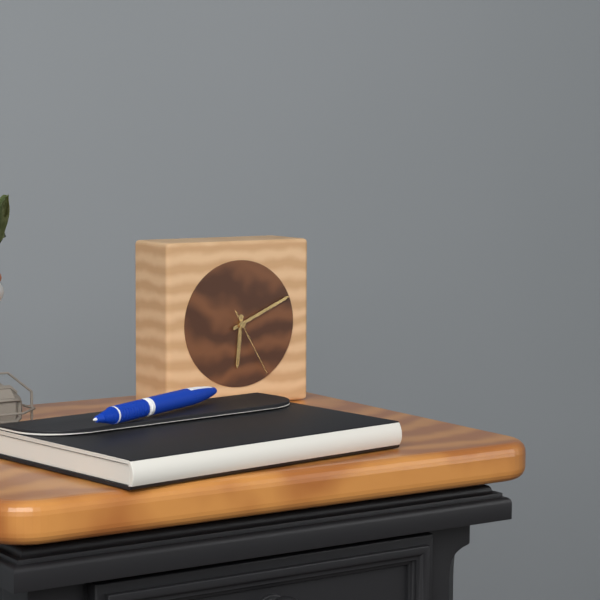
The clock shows h=6 m=11 s=25
